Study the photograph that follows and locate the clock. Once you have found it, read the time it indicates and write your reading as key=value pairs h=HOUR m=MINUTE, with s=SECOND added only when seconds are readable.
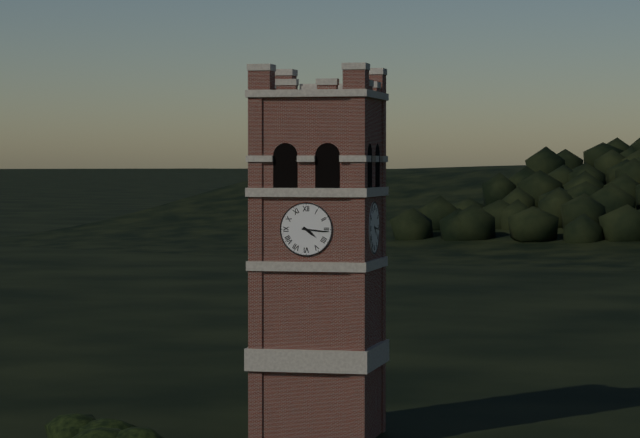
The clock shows h=4 m=16
